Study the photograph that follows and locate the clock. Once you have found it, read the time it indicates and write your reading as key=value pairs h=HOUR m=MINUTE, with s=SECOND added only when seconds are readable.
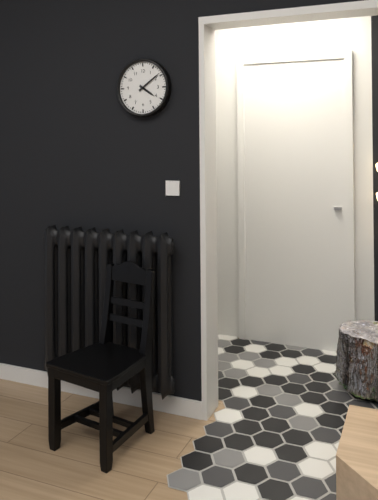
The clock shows h=4 m=9
